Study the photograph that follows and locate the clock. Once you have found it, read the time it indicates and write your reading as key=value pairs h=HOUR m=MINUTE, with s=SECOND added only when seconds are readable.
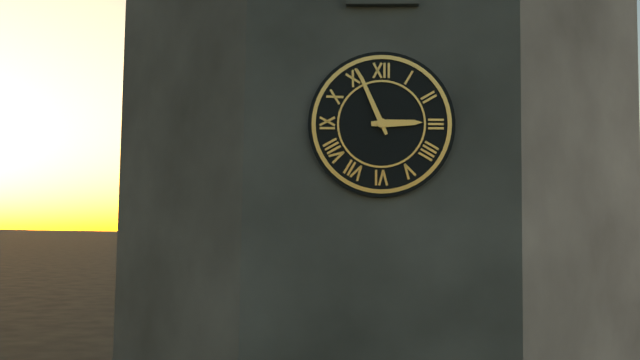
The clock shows h=2 m=56
